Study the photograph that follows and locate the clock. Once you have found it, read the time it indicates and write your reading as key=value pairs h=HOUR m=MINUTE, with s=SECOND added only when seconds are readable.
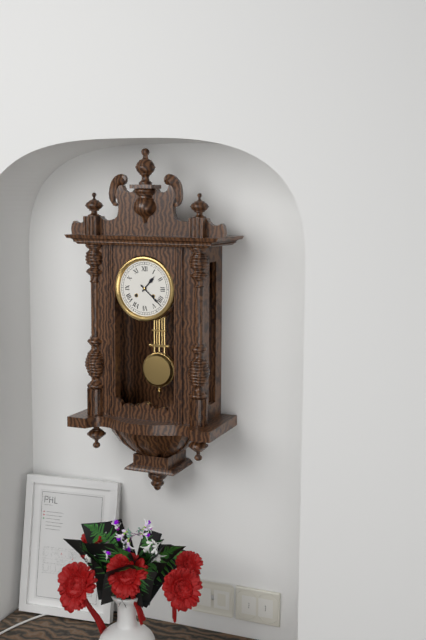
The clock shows h=1 m=22
